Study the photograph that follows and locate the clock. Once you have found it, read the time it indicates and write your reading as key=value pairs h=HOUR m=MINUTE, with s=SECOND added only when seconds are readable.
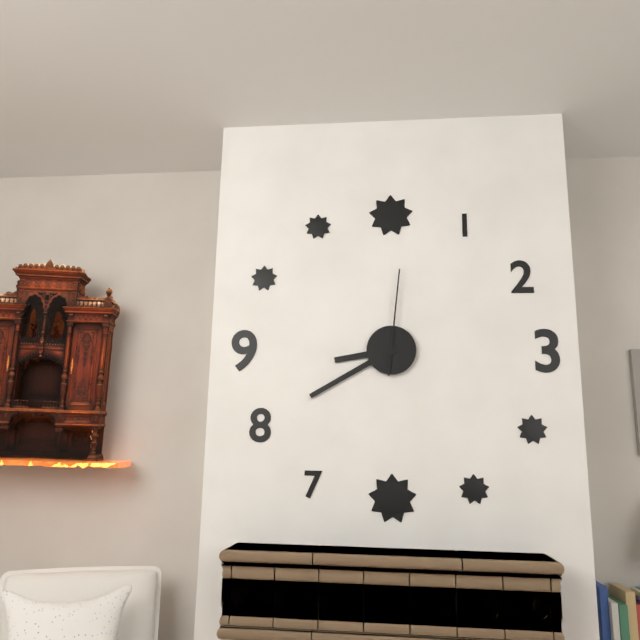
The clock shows h=8 m=40 s=1
